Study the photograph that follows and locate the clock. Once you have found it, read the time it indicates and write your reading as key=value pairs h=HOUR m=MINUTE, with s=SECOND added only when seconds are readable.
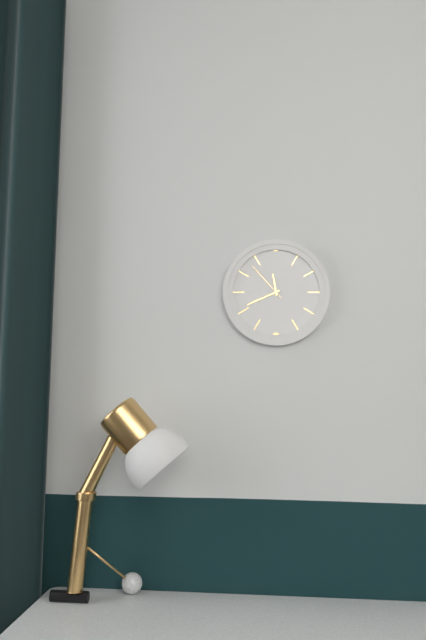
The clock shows h=11 m=41
